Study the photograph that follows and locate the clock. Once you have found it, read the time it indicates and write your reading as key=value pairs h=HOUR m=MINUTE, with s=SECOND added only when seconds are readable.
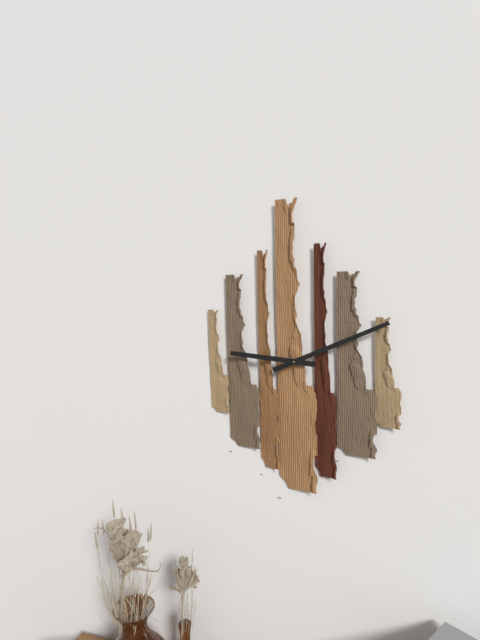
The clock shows h=9 m=11
